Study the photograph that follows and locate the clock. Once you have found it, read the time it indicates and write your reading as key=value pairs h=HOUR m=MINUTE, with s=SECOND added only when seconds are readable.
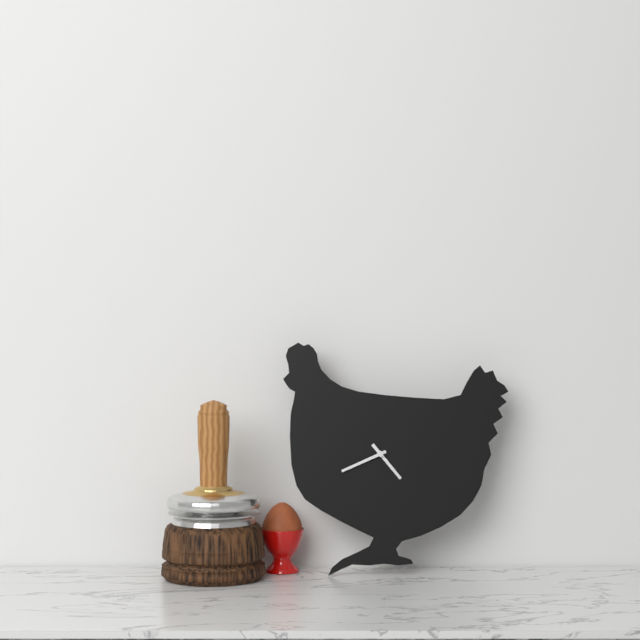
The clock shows h=4 m=41
